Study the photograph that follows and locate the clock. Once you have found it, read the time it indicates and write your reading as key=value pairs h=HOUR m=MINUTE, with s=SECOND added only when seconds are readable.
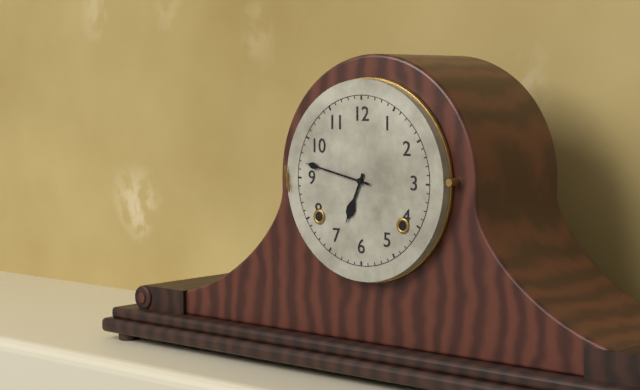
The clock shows h=6 m=47
